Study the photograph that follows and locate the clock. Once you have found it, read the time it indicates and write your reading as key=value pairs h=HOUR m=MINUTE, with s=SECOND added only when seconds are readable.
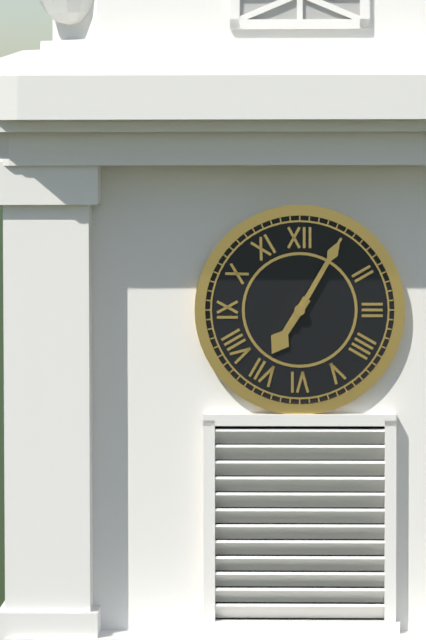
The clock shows h=7 m=5
